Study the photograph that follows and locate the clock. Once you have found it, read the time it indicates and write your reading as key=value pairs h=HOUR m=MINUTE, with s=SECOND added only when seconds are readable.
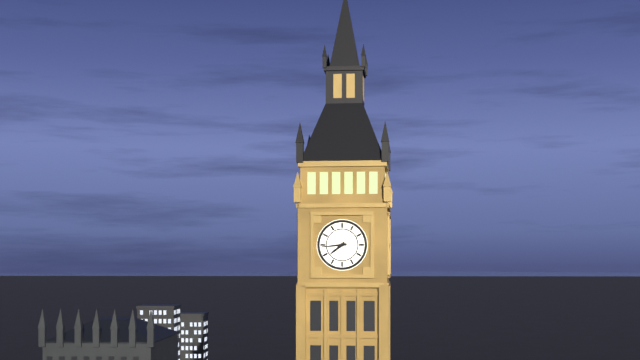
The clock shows h=7 m=44
